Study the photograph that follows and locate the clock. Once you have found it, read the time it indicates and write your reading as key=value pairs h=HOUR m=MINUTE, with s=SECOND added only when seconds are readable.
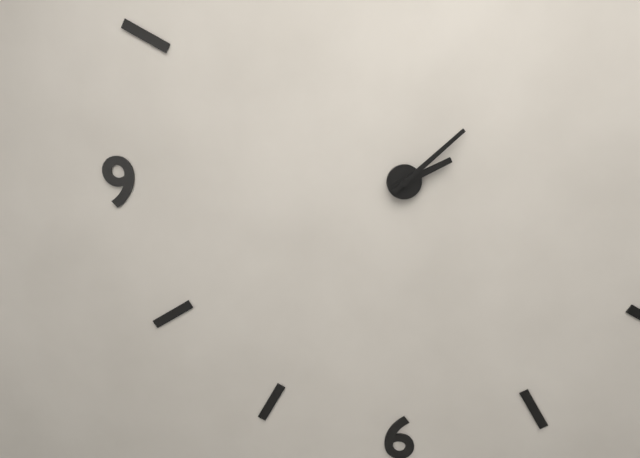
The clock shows h=2 m=8
